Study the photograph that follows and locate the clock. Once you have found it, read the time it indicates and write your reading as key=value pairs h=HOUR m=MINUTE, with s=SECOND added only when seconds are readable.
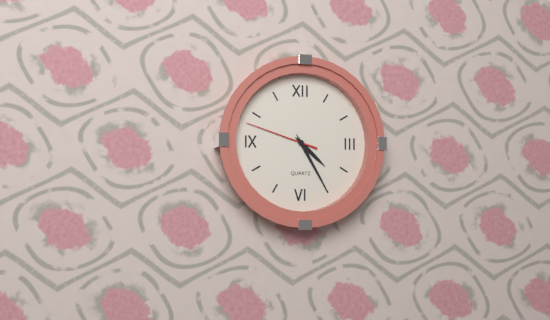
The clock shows h=4 m=25 s=48
